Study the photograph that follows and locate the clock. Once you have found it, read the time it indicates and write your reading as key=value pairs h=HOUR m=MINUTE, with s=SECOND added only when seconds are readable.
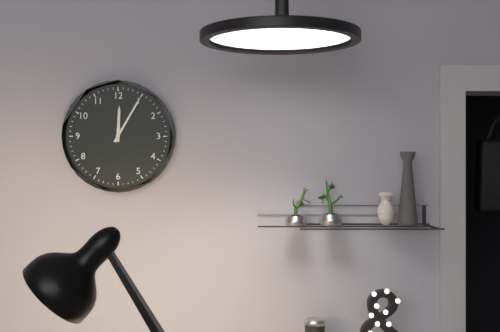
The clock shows h=12 m=5
